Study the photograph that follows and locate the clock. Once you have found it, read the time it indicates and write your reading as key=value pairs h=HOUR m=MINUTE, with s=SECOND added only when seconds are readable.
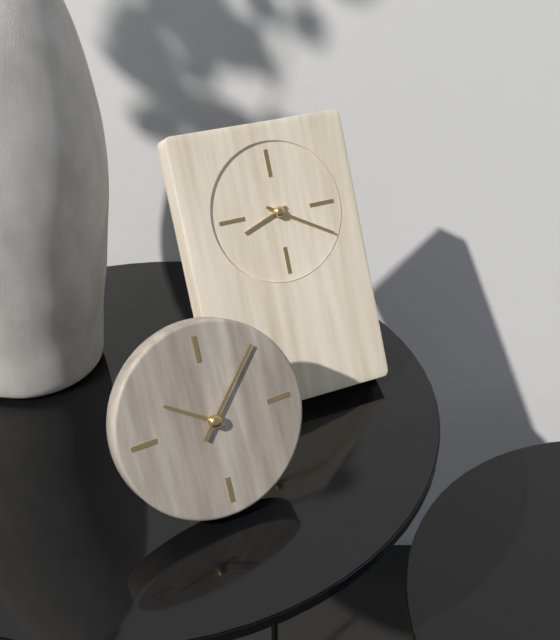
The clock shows h=8 m=20
